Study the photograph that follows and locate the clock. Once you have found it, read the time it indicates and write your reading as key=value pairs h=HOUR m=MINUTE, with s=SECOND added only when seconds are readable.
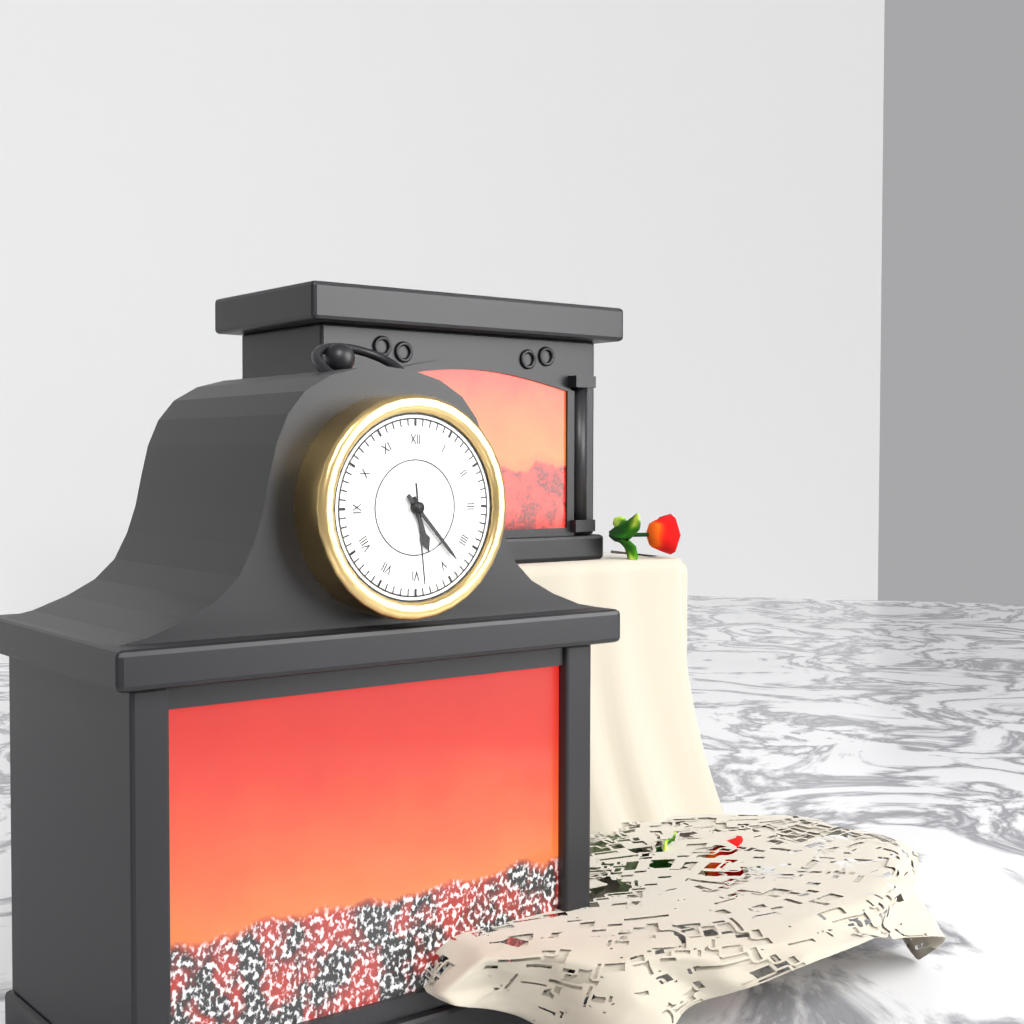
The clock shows h=5 m=23 s=29
